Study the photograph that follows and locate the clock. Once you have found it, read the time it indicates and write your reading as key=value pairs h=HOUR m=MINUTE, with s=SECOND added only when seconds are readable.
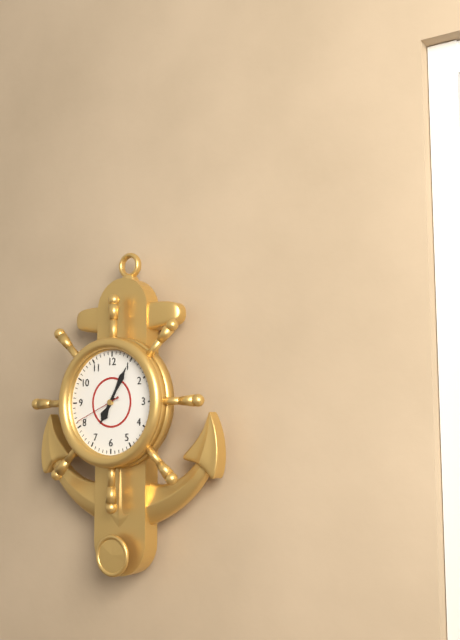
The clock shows h=7 m=5
